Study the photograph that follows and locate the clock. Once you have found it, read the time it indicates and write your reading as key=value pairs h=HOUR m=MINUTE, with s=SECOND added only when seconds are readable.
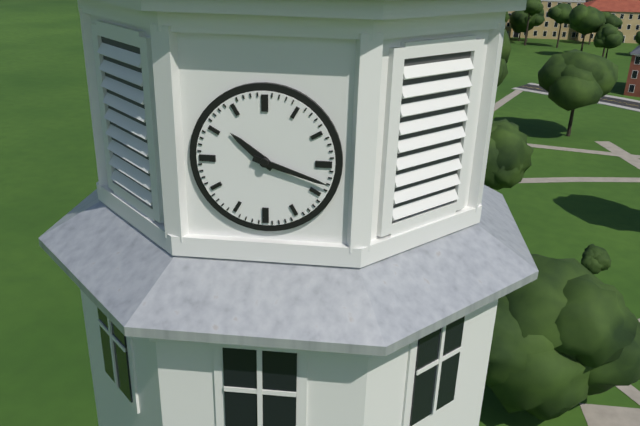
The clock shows h=10 m=18
